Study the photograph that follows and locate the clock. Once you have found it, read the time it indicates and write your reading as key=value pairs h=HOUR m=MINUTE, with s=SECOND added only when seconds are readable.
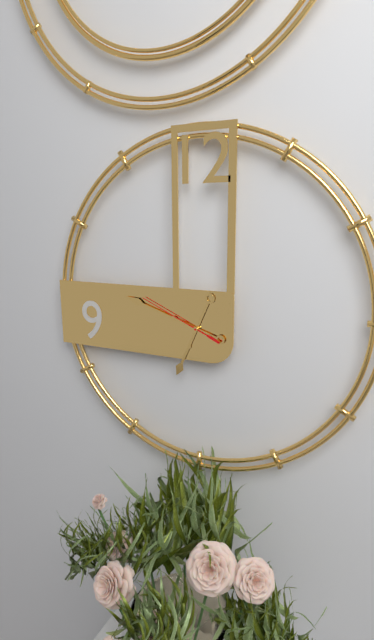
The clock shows h=6 m=48 s=49
